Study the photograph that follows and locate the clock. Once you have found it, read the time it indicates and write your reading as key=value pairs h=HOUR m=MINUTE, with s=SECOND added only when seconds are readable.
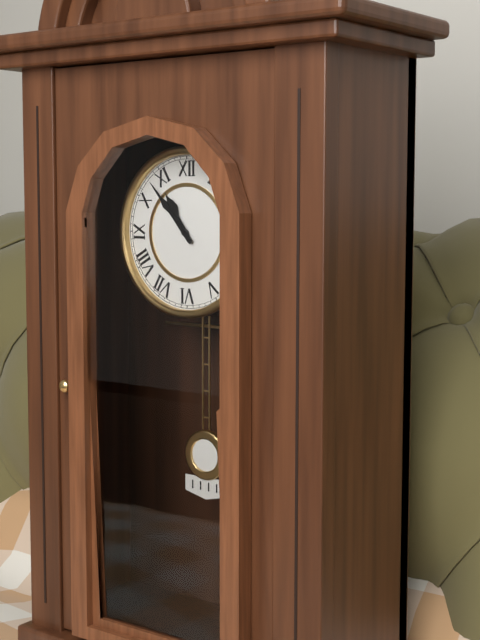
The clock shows h=10 m=53
